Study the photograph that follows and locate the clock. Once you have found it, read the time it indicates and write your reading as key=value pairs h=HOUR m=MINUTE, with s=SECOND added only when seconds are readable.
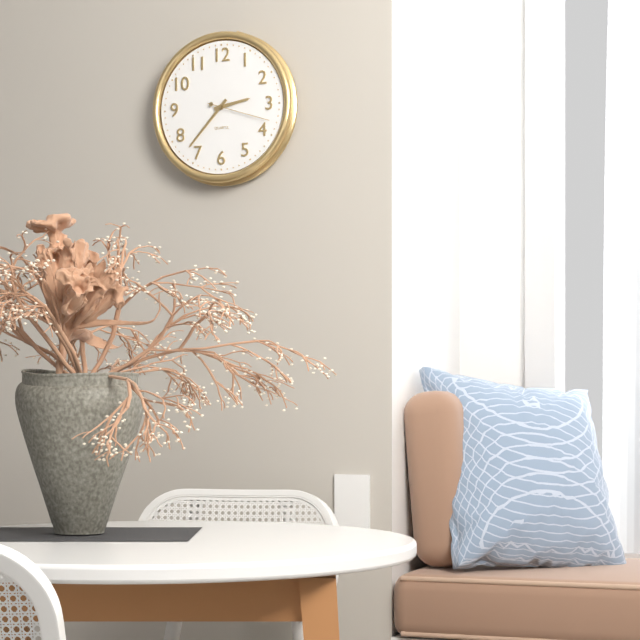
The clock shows h=2 m=37 s=18
